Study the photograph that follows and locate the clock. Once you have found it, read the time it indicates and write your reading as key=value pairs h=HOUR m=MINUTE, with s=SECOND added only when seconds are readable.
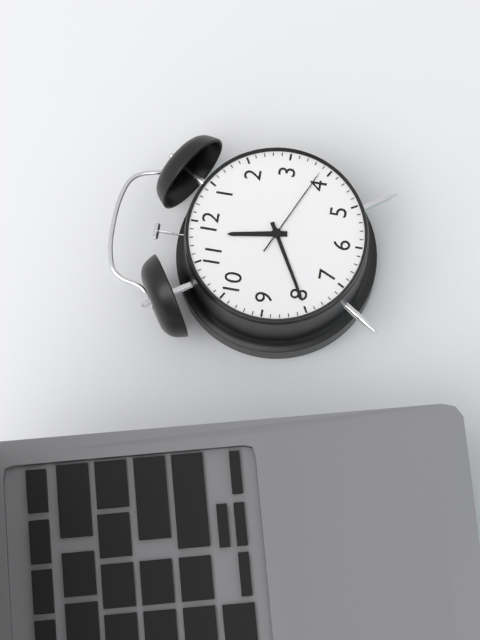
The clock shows h=11 m=40 s=19
